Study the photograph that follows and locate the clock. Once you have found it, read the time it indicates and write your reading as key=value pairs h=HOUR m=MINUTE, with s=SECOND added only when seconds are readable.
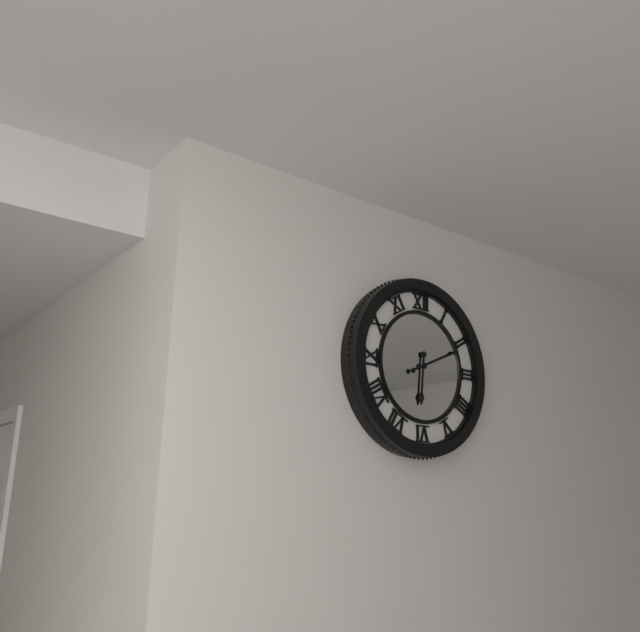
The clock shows h=6 m=11
